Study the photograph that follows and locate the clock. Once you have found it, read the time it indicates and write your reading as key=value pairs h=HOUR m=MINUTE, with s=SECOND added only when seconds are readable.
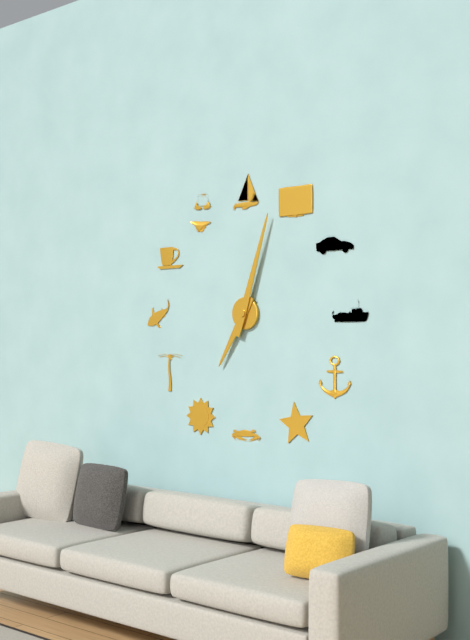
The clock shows h=7 m=3
